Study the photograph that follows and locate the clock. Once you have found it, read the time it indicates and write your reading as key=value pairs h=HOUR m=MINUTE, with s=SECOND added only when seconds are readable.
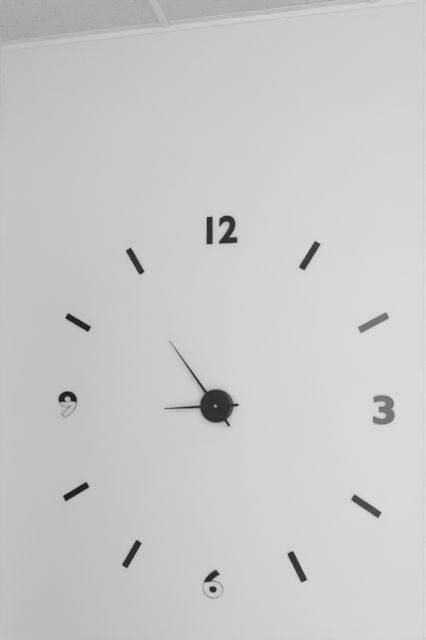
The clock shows h=8 m=54
